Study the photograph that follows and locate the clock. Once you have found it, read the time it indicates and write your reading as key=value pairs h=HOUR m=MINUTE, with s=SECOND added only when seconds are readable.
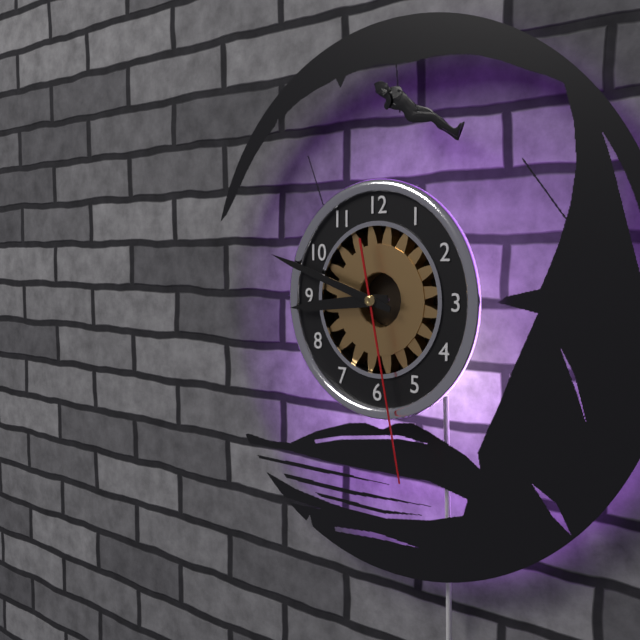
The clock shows h=8 m=48 s=28
